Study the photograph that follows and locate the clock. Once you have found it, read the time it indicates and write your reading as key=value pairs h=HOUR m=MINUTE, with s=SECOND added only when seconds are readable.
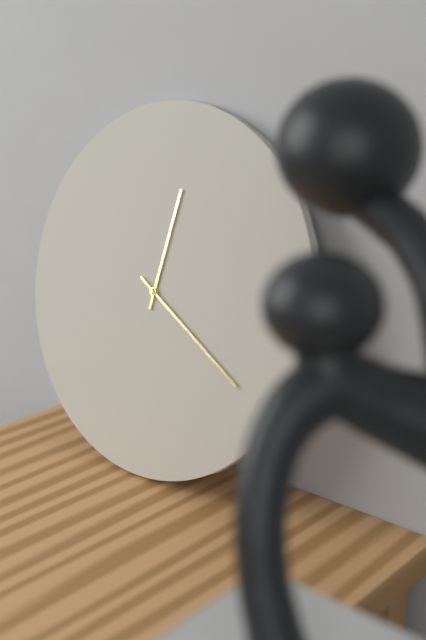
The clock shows h=12 m=20
